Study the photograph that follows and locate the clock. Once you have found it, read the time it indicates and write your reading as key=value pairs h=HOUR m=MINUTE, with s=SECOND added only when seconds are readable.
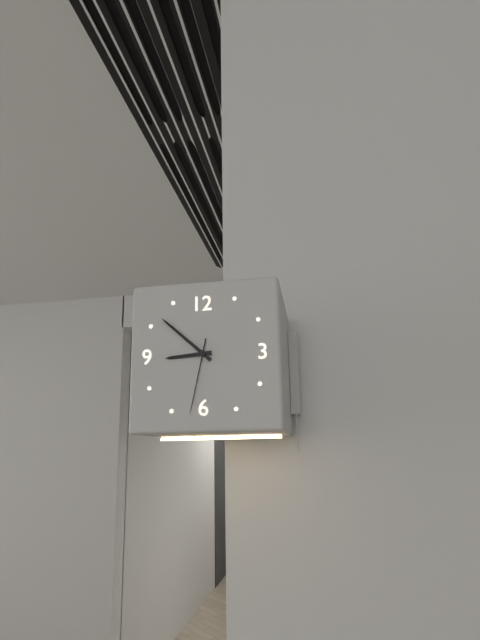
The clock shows h=8 m=52 s=32
